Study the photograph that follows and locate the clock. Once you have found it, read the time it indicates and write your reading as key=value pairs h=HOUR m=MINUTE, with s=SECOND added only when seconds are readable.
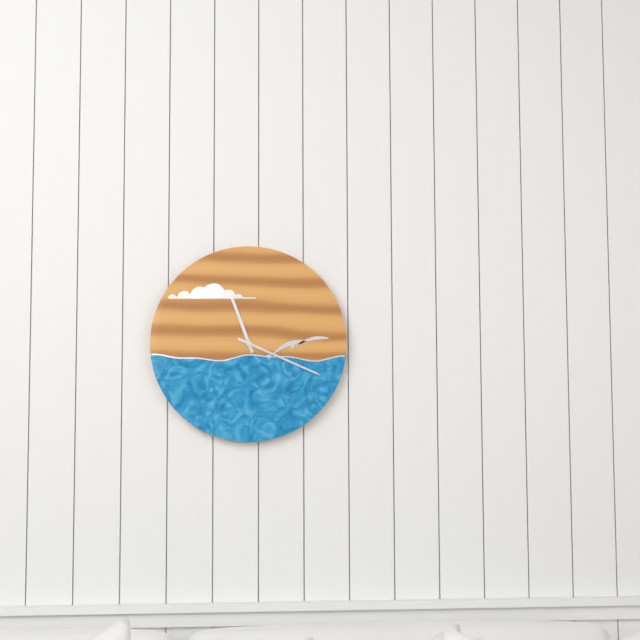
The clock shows h=11 m=19
